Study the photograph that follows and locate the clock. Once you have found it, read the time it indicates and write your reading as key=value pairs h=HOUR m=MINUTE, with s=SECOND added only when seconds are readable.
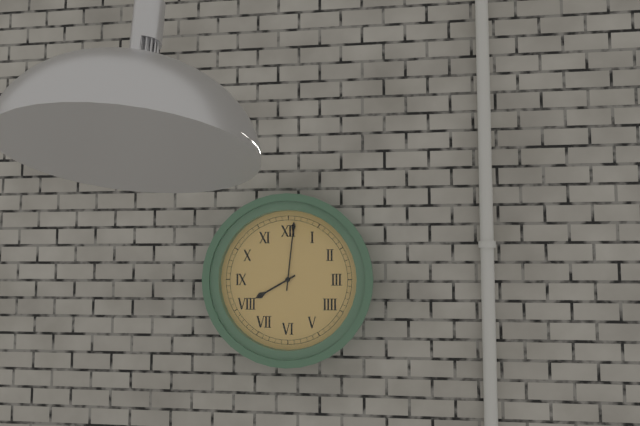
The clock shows h=8 m=1
